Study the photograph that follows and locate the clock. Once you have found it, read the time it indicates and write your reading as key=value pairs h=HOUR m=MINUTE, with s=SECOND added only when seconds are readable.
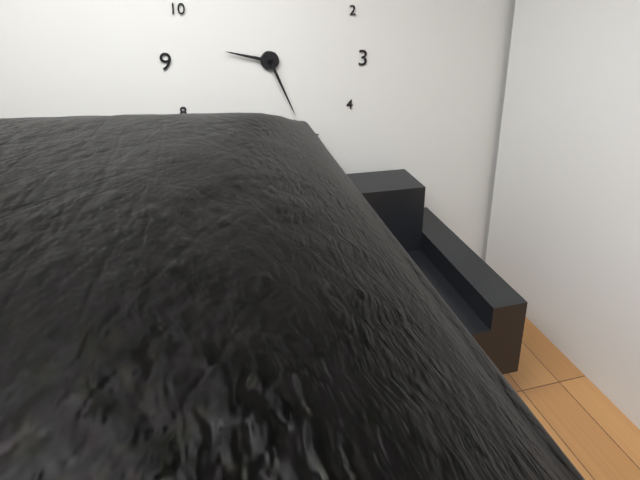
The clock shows h=9 m=26
